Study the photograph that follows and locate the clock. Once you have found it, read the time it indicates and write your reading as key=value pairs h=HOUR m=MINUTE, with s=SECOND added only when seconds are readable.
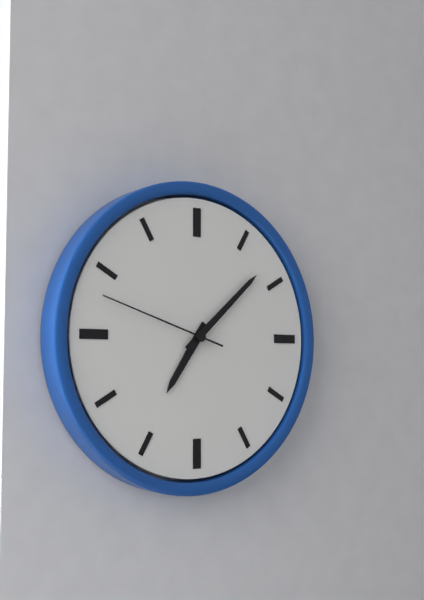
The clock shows h=7 m=8 s=48
